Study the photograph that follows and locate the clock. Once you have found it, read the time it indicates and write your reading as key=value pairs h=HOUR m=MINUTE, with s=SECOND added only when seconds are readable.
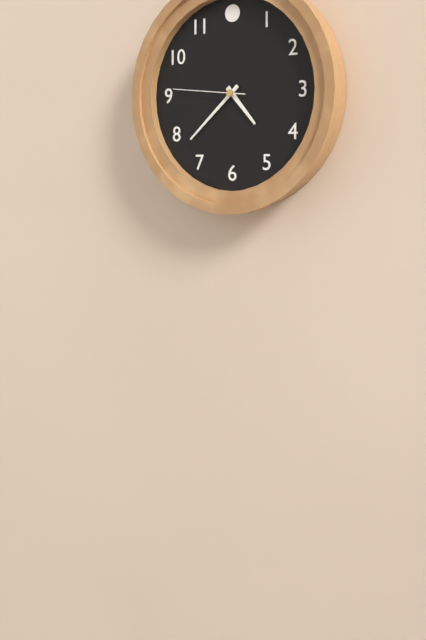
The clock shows h=4 m=38 s=46
